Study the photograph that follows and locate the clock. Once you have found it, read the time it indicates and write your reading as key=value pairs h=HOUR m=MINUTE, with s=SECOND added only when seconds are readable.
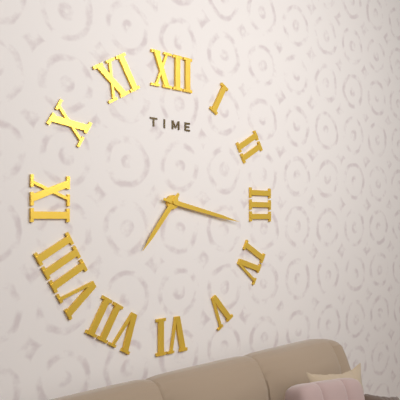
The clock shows h=7 m=17
